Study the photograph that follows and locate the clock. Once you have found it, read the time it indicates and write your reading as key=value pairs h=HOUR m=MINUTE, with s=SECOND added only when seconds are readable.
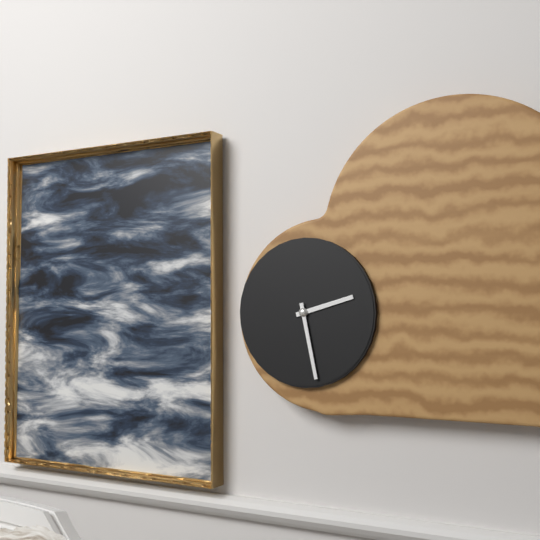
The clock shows h=2 m=28
